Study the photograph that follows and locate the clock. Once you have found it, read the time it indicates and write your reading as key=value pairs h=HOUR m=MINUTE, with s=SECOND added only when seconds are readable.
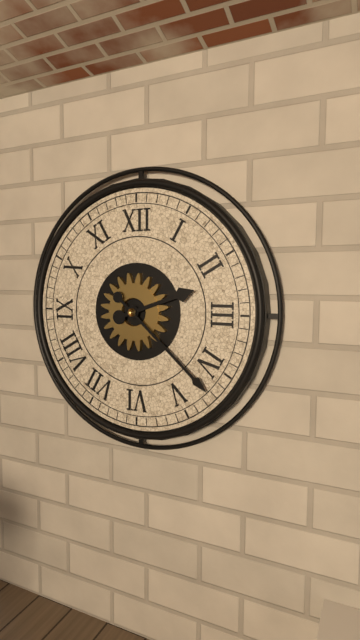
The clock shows h=2 m=22
